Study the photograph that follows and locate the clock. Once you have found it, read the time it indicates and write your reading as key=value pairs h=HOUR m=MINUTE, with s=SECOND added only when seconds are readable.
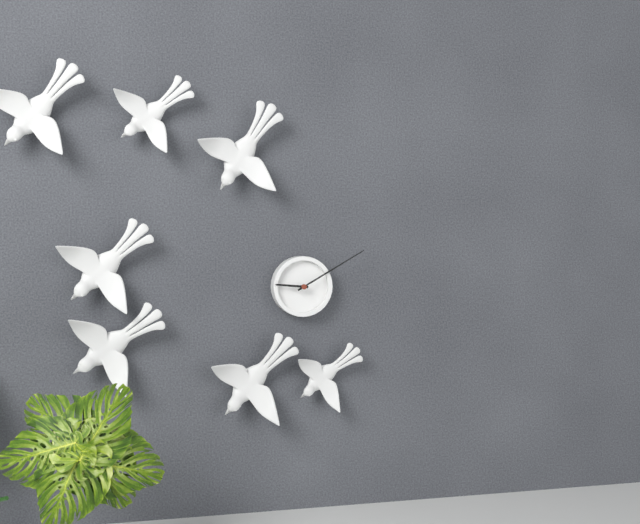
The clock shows h=9 m=10
